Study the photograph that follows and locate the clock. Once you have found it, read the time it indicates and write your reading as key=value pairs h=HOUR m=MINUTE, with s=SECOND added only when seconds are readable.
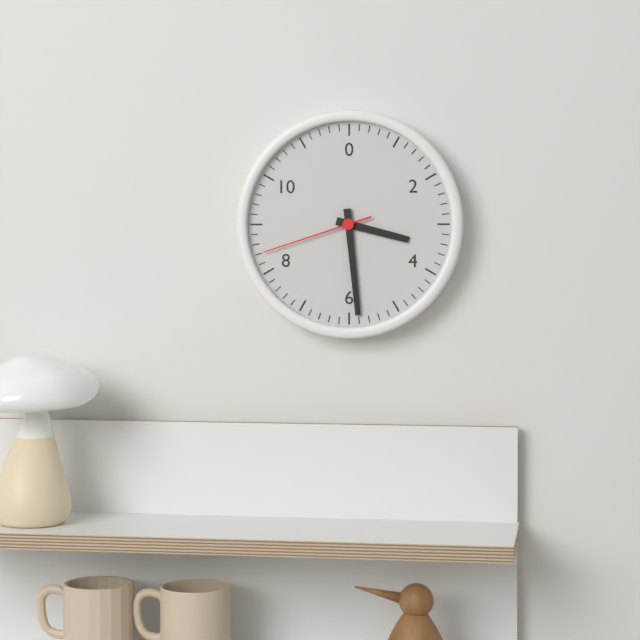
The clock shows h=3 m=29 s=42
